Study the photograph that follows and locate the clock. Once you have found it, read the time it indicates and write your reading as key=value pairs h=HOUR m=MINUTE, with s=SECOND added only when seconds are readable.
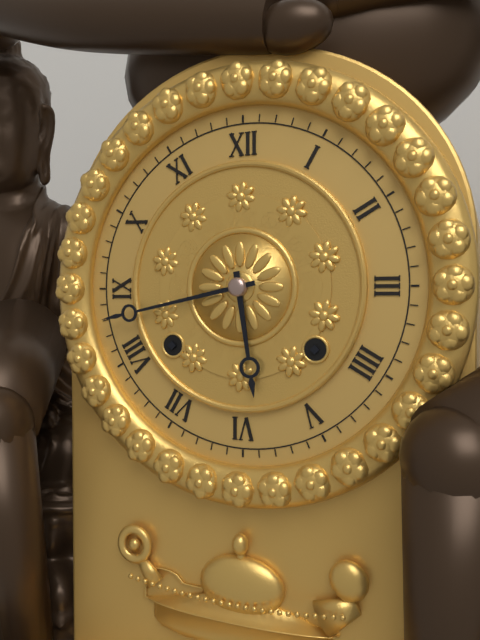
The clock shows h=5 m=43
